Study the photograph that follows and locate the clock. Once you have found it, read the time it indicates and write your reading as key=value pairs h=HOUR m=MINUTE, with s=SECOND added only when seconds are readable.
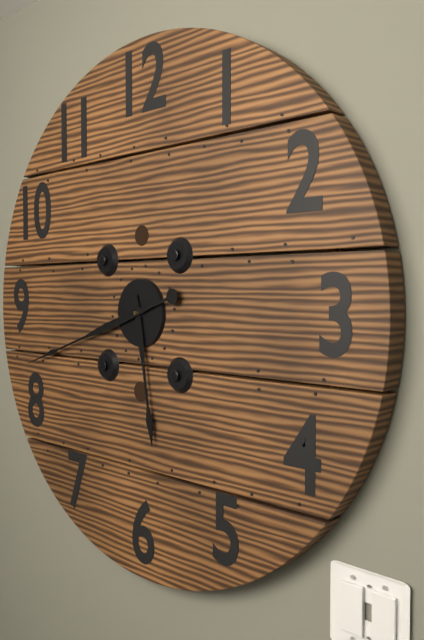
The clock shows h=5 m=42
